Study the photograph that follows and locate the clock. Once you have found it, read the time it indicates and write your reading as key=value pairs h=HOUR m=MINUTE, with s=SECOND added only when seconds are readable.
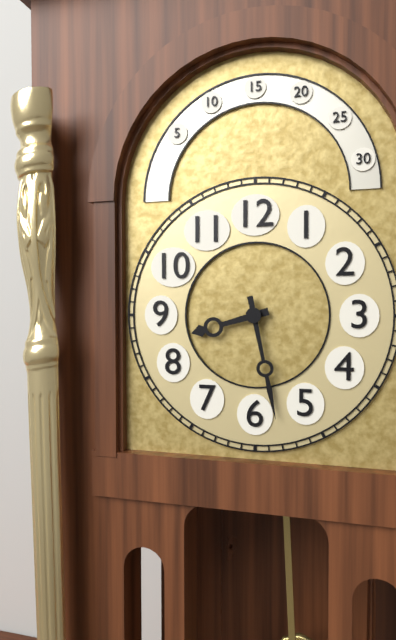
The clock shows h=8 m=28
